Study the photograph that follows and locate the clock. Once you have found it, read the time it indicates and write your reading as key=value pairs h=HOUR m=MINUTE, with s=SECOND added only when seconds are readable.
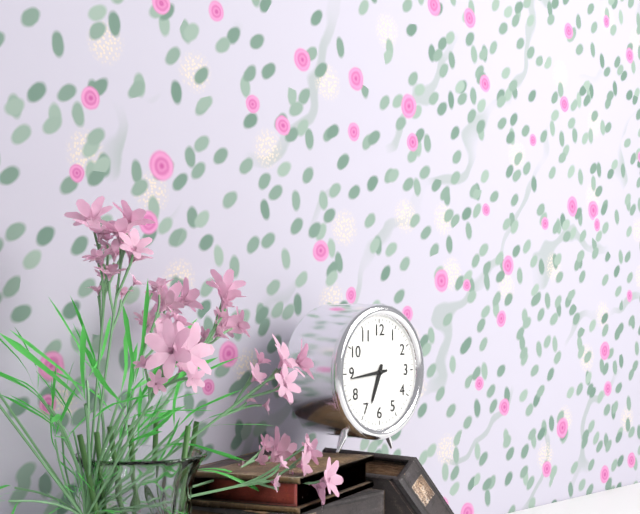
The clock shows h=6 m=44
